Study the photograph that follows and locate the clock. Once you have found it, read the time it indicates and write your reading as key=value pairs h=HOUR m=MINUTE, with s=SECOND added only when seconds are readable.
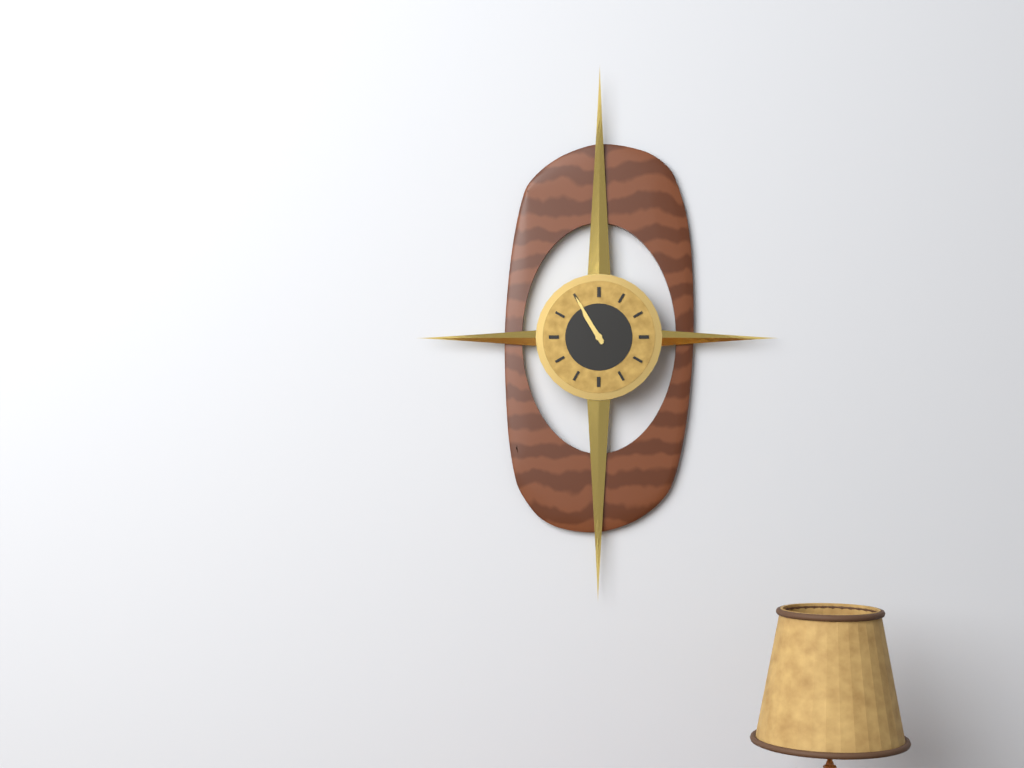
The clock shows h=10 m=55
